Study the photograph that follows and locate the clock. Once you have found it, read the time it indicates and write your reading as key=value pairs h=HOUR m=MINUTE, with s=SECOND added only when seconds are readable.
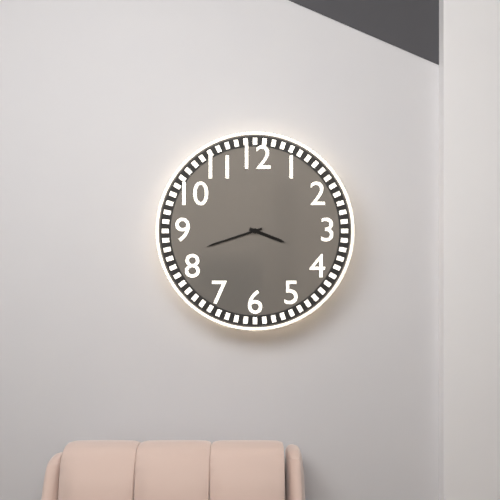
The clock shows h=3 m=42
